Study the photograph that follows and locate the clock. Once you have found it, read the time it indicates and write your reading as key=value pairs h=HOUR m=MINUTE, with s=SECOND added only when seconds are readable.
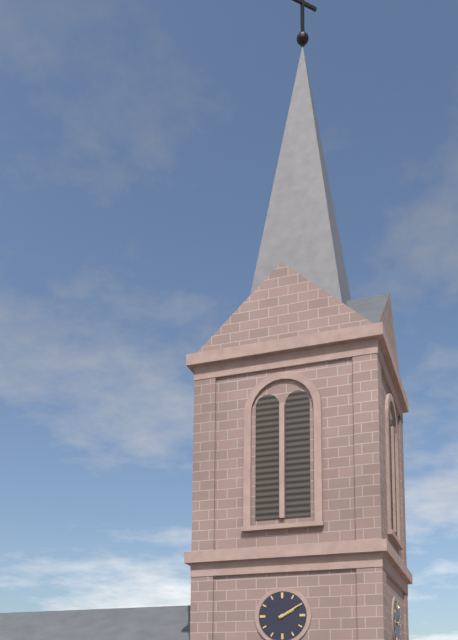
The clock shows h=2 m=10
